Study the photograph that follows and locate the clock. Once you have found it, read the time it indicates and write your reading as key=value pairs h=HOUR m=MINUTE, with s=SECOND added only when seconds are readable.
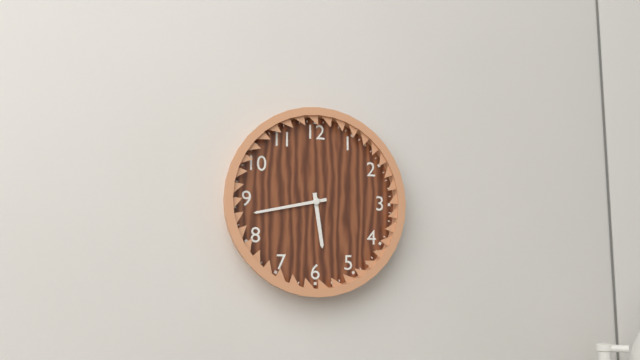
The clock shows h=5 m=43
